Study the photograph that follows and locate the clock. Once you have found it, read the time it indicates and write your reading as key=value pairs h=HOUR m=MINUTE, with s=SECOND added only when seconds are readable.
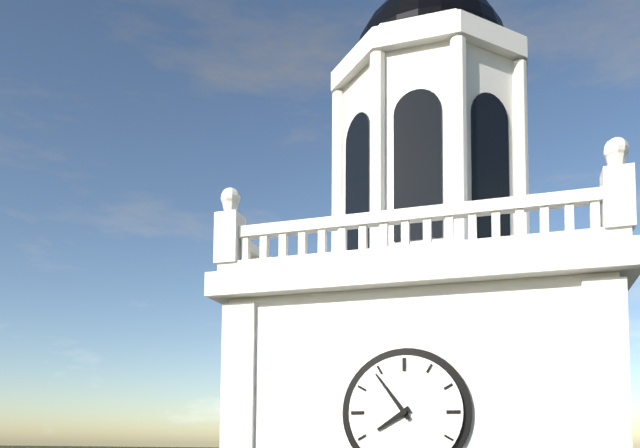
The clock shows h=7 m=54
